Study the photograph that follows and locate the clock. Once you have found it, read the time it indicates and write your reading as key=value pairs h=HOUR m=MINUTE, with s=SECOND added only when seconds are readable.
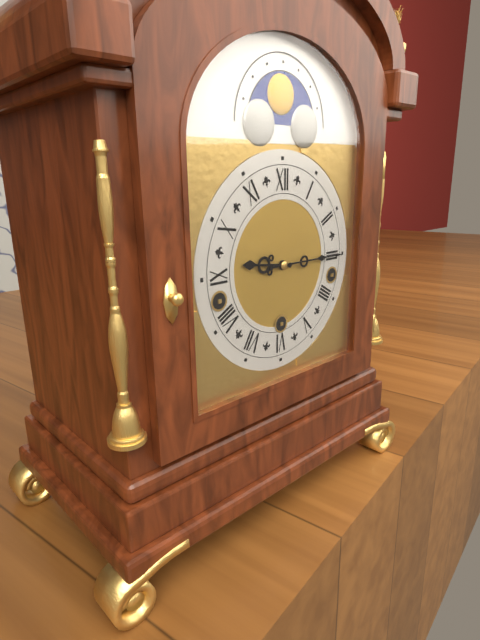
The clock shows h=9 m=15
